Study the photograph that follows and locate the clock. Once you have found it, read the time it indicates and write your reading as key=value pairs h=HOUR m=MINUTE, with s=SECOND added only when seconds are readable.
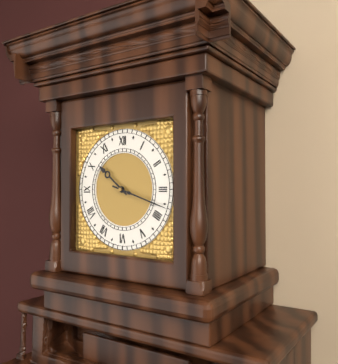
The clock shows h=10 m=18
